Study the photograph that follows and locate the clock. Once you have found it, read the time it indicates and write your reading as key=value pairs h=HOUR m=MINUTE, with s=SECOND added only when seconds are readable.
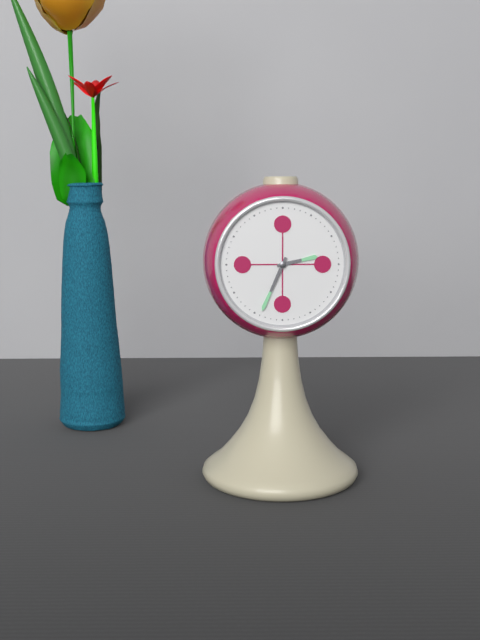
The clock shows h=2 m=34
